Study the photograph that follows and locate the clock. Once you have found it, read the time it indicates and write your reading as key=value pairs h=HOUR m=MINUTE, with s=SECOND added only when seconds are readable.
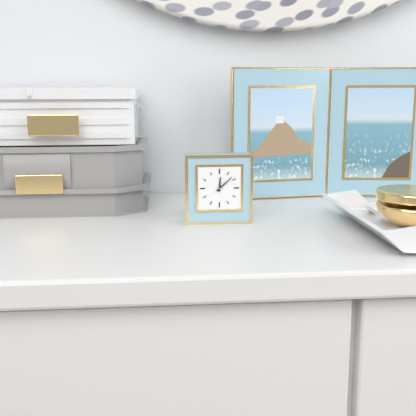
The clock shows h=12 m=8
